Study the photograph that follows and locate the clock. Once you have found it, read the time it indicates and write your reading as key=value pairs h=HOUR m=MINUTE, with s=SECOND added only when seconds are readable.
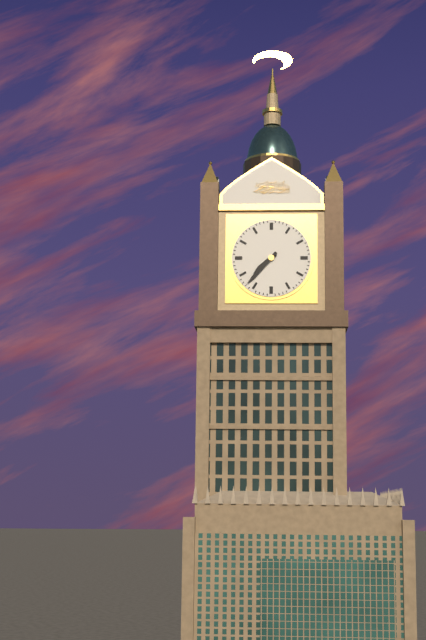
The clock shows h=7 m=37
